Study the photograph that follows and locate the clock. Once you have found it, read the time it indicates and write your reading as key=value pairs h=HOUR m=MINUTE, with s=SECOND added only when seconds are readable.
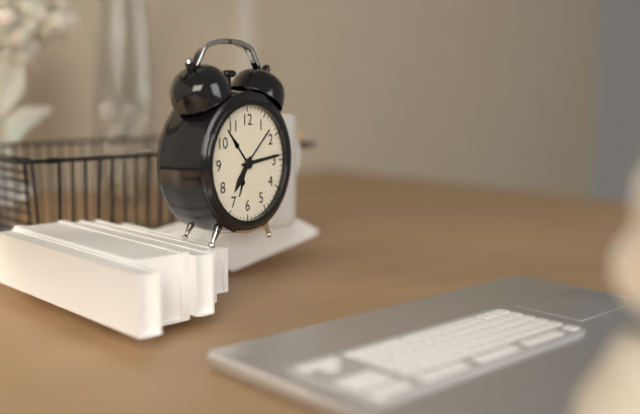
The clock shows h=7 m=14
